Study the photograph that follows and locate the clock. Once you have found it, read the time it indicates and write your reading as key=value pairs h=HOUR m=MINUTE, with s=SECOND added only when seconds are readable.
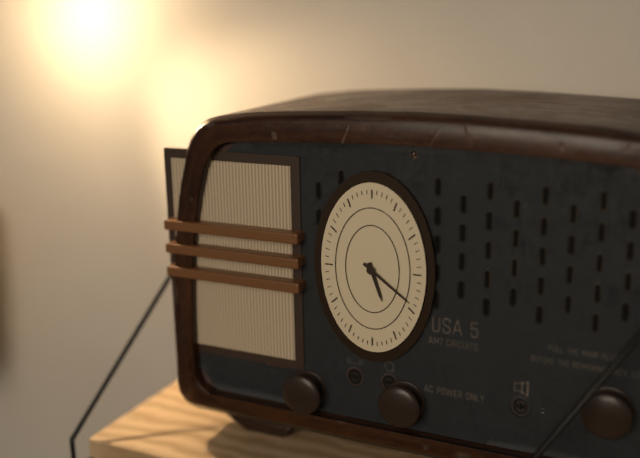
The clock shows h=5 m=21
